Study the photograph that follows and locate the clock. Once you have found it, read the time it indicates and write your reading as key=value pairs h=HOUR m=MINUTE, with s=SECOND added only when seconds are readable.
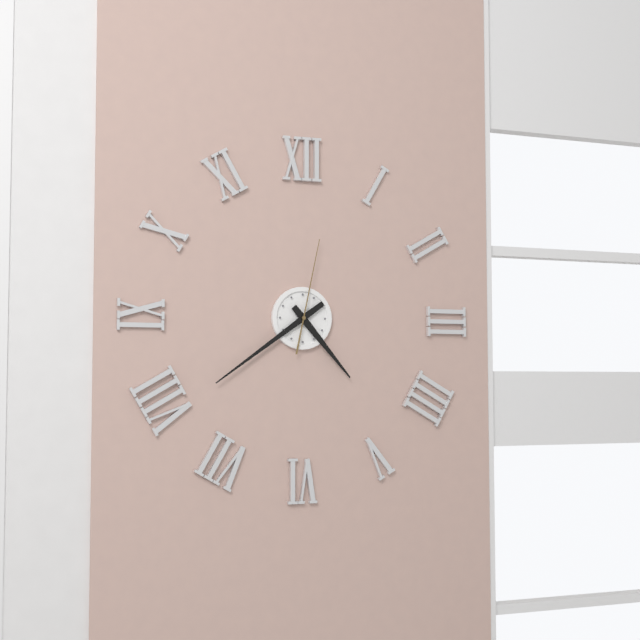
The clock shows h=4 m=39 s=2
